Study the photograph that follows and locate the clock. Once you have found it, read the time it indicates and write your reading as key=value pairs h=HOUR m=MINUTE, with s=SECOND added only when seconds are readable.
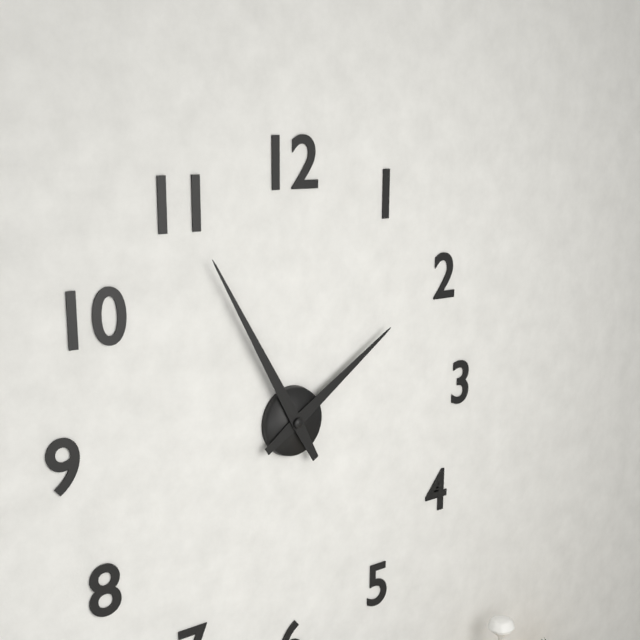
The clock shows h=1 m=55
